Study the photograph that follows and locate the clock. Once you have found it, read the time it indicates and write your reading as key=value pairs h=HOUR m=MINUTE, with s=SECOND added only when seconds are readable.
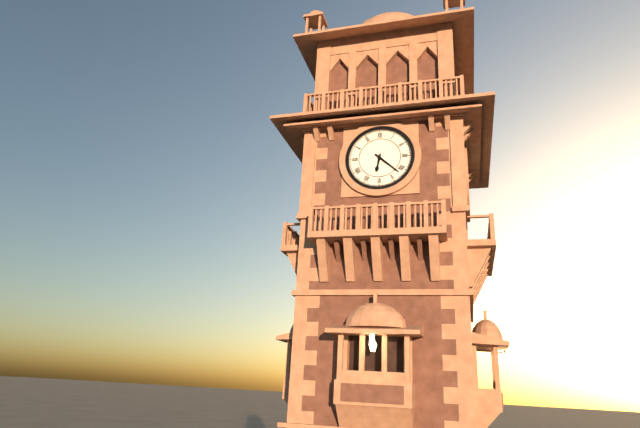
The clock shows h=6 m=22
